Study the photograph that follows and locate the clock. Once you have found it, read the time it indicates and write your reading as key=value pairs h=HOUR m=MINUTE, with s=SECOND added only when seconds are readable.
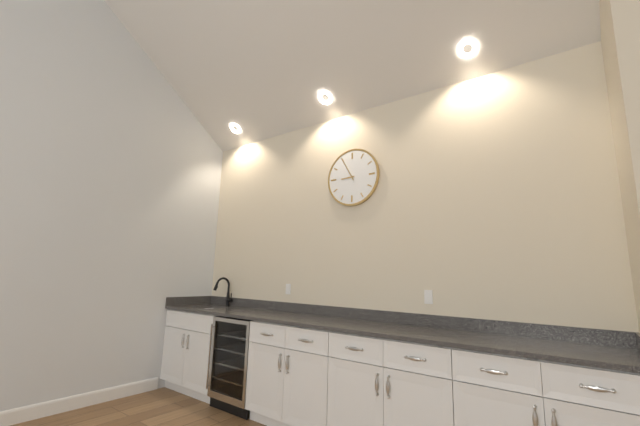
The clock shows h=8 m=55
